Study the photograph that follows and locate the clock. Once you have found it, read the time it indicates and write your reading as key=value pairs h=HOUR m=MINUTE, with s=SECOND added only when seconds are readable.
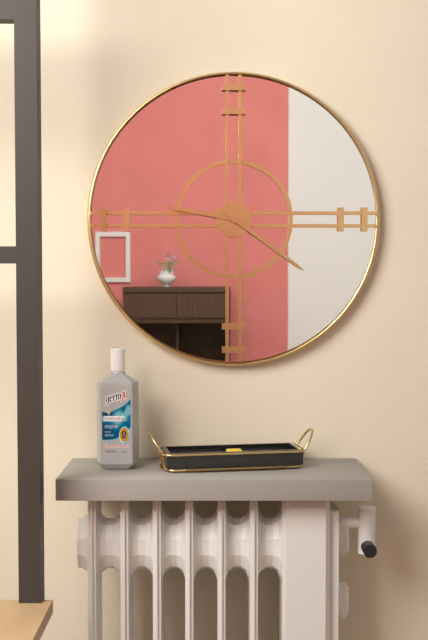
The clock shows h=9 m=21
